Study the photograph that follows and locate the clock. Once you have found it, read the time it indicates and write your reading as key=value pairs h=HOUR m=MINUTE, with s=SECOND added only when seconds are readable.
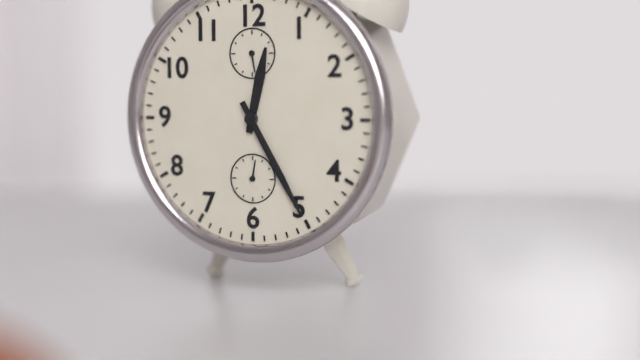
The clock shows h=12 m=25
